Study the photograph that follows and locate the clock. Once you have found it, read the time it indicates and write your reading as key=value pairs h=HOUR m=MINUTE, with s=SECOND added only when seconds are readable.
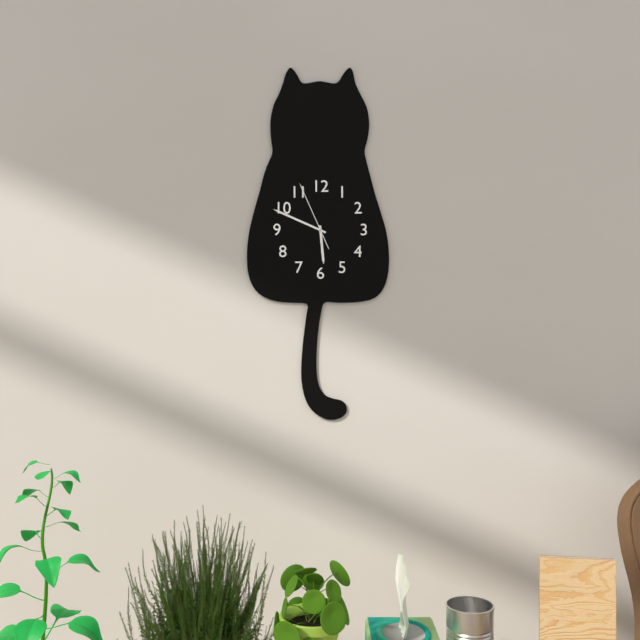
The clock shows h=5 m=49 s=56
